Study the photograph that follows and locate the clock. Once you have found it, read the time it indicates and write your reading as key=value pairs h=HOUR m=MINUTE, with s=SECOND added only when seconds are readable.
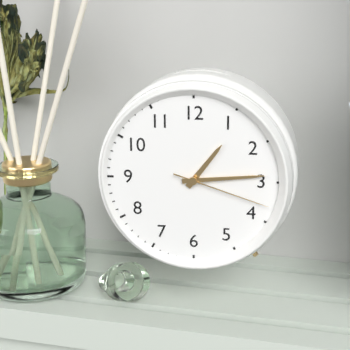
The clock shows h=1 m=14 s=18
